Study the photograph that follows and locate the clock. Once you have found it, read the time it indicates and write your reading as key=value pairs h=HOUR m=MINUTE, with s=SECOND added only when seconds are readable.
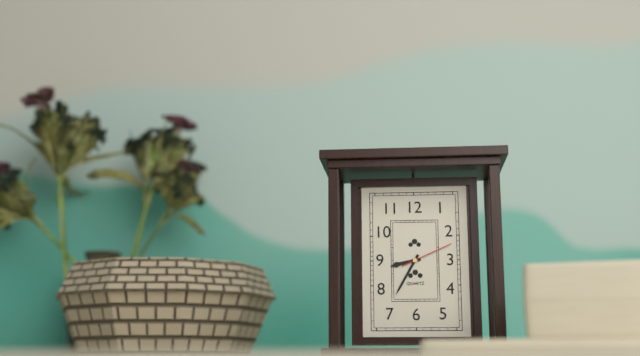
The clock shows h=8 m=35 s=11
